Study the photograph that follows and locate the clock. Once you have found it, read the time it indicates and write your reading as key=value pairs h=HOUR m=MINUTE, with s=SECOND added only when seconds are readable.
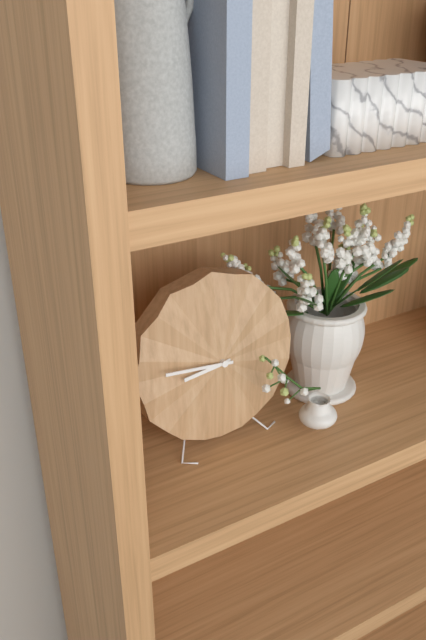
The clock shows h=8 m=46
